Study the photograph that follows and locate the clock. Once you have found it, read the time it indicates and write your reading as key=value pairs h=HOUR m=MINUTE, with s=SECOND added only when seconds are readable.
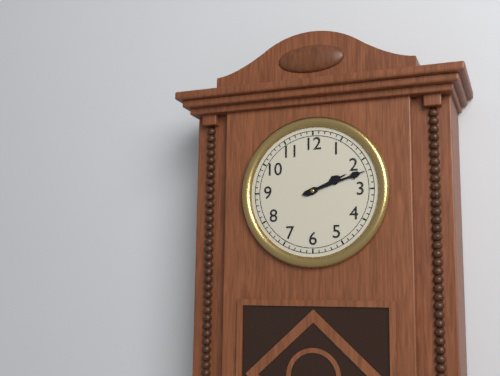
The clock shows h=2 m=12
